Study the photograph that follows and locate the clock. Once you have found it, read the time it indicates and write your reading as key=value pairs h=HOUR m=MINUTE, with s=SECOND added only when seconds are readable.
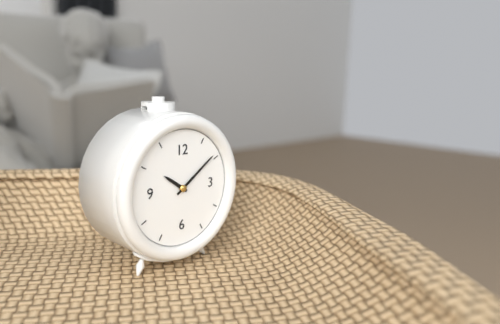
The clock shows h=10 m=9
